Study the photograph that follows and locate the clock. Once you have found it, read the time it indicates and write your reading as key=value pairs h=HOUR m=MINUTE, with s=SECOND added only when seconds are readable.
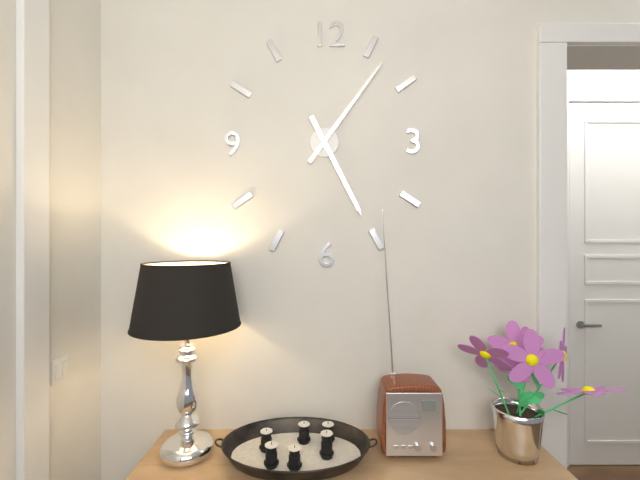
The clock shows h=5 m=6
